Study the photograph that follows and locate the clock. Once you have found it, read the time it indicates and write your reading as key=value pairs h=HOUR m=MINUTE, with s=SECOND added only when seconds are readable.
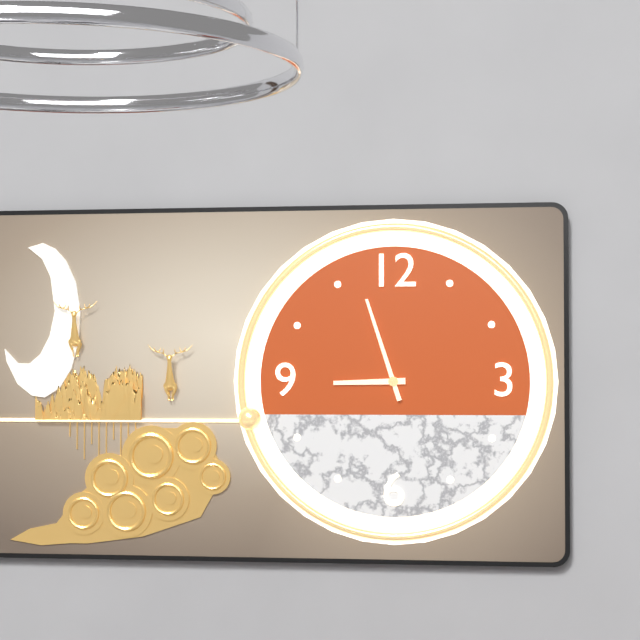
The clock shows h=8 m=57
